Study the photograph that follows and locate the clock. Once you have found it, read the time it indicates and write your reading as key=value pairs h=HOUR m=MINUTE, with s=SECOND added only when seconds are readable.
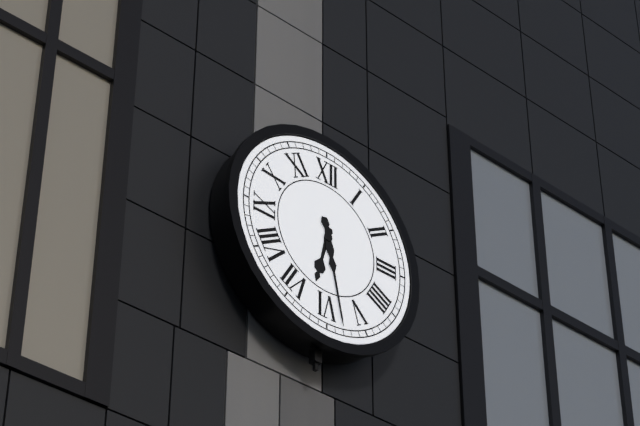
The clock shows h=6 m=28
